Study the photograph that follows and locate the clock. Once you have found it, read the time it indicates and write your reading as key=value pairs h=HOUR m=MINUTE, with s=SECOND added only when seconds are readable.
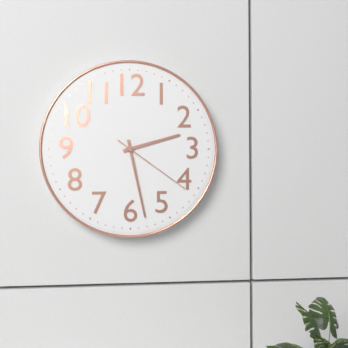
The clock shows h=2 m=28 s=21
